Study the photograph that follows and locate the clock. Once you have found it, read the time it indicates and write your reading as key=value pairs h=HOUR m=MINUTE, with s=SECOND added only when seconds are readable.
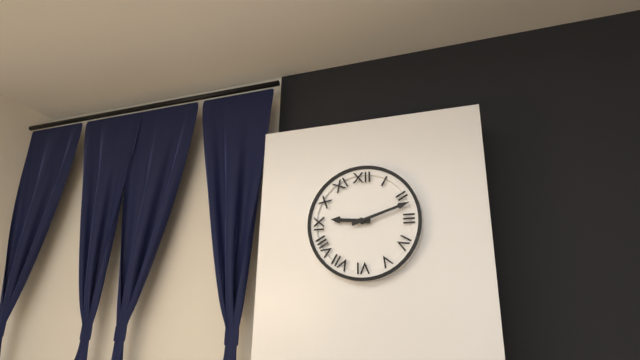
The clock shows h=9 m=12
